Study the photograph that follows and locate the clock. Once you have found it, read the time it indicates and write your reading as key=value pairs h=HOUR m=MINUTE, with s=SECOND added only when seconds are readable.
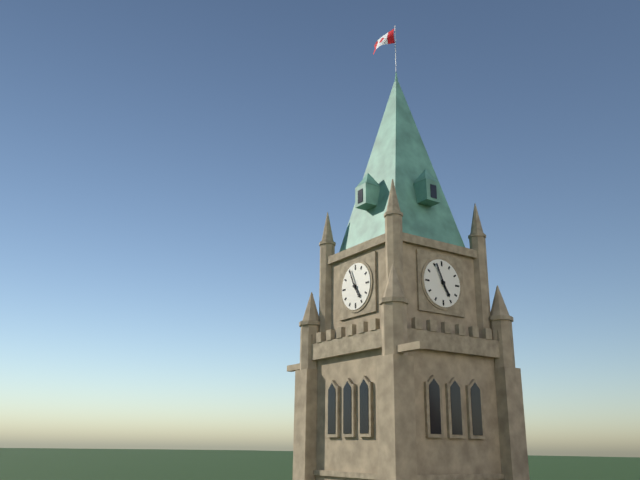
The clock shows h=4 m=56
